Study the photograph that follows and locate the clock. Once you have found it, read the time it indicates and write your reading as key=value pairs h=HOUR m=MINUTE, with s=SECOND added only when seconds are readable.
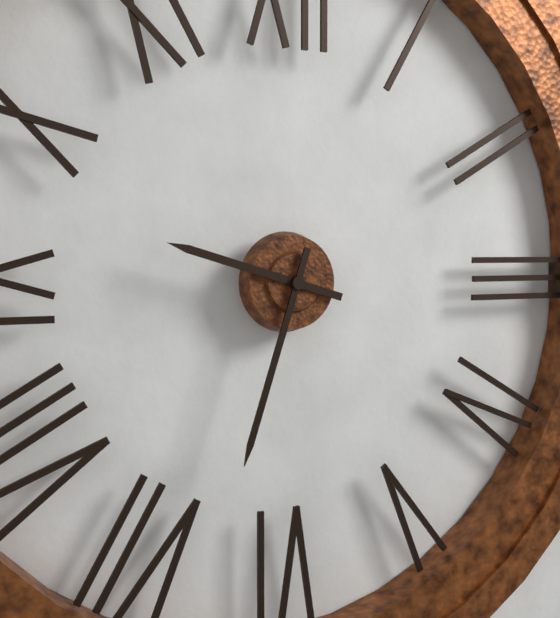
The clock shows h=9 m=33
